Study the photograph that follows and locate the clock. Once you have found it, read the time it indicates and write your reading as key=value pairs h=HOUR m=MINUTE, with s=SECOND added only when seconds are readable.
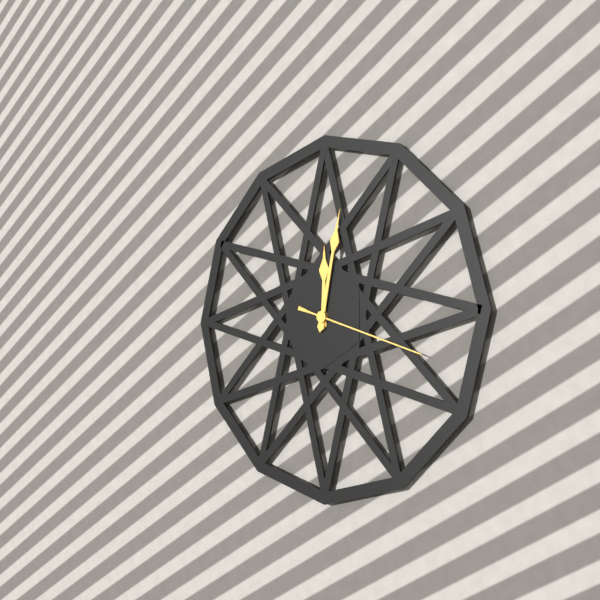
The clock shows h=12 m=2 s=18
